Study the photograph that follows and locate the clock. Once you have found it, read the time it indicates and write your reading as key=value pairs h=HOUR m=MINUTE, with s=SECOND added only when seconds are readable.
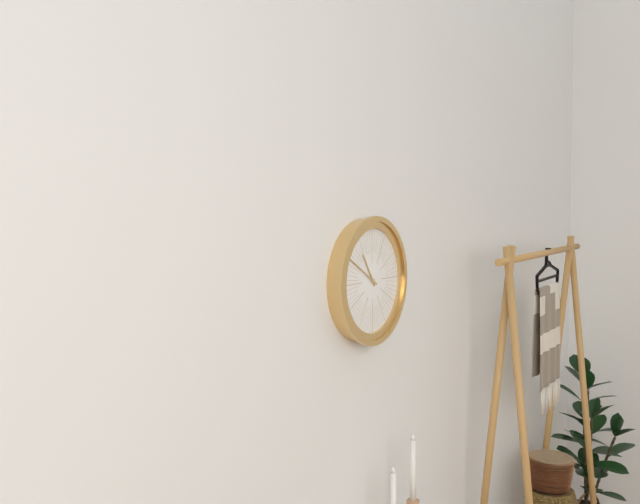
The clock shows h=10 m=50
